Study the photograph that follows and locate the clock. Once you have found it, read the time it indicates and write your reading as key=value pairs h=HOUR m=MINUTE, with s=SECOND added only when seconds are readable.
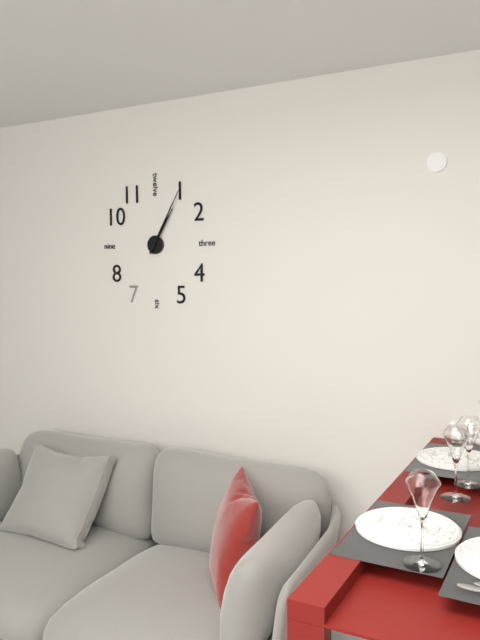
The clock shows h=1 m=5
